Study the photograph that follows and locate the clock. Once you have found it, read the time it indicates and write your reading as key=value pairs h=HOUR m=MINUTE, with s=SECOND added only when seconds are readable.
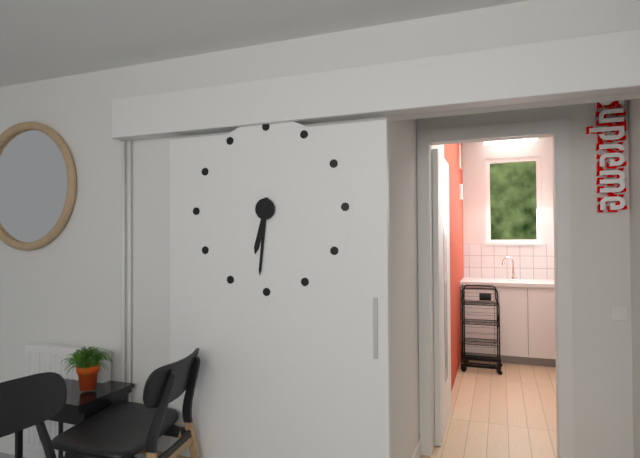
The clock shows h=6 m=31
